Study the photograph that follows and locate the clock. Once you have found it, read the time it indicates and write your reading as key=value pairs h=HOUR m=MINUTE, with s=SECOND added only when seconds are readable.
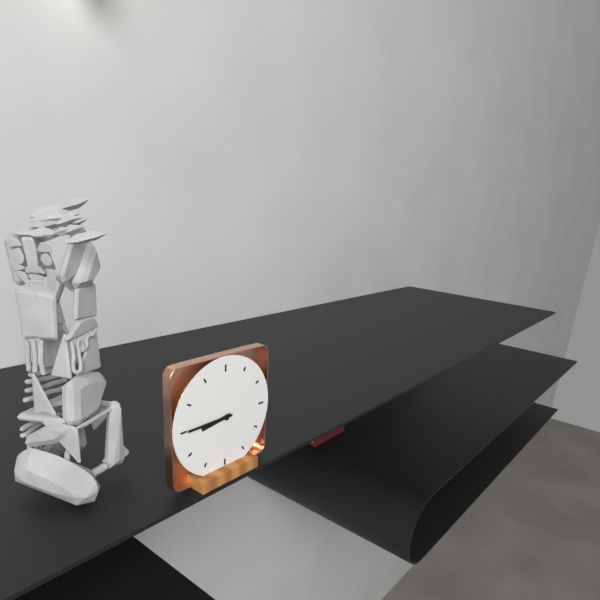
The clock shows h=8 m=45
